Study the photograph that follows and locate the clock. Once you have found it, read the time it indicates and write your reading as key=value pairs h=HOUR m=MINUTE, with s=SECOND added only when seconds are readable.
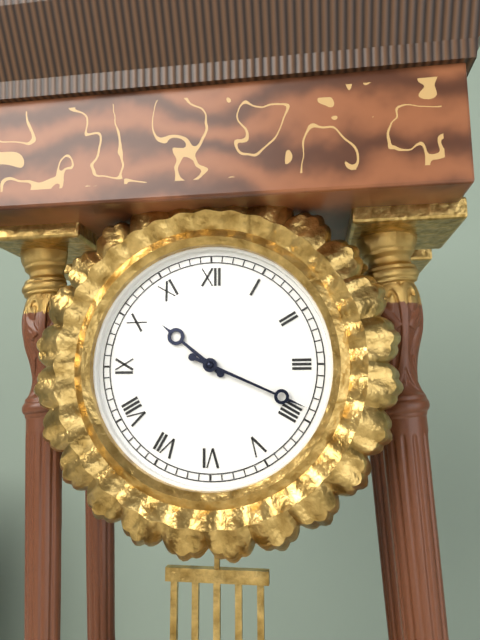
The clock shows h=10 m=19
